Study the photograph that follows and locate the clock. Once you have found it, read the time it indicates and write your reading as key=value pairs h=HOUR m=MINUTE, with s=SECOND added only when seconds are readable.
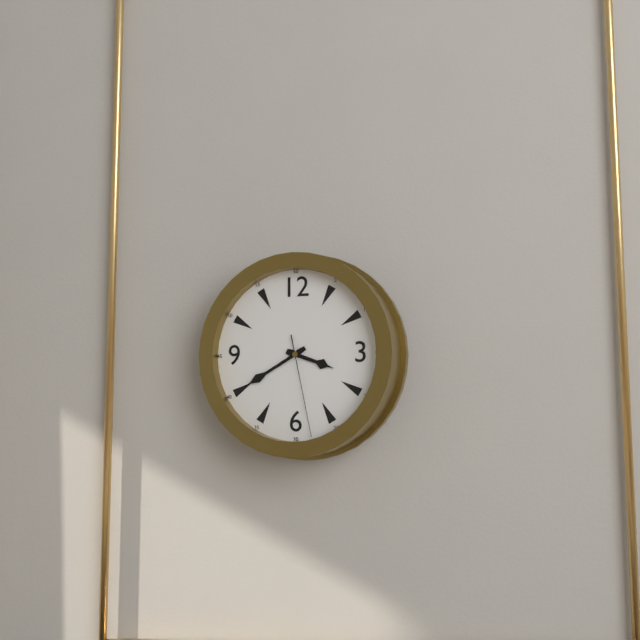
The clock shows h=3 m=40 s=28
